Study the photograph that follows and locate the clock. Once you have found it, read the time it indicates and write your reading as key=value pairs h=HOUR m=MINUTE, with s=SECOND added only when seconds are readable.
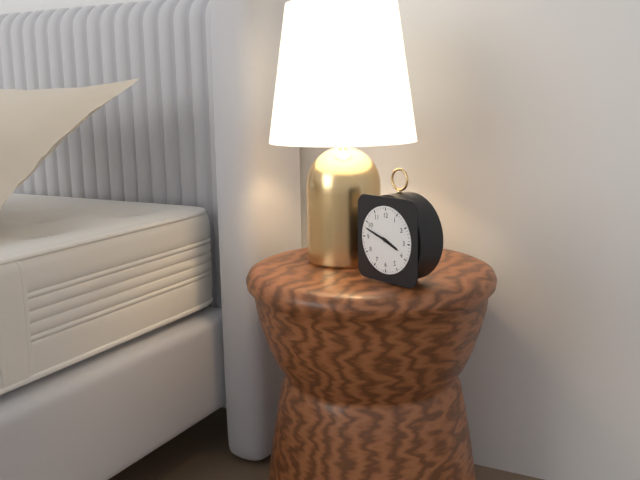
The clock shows h=3 m=48
